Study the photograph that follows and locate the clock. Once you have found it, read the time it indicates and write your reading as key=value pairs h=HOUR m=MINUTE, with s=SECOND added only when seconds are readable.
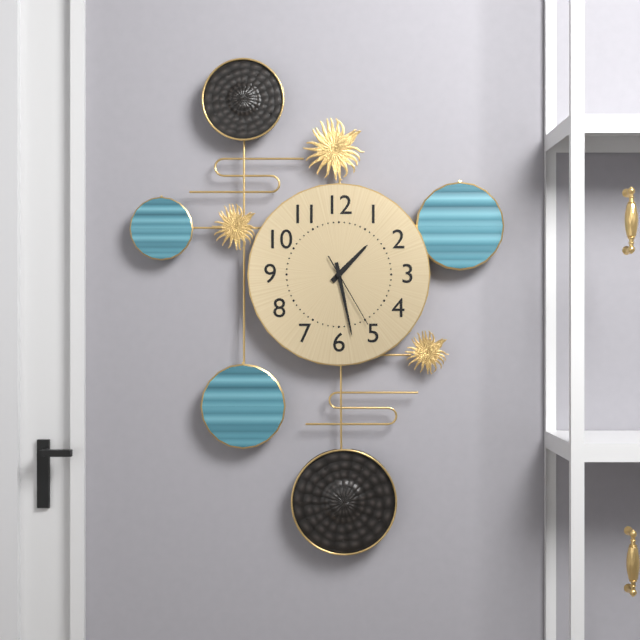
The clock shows h=1 m=28 s=25
